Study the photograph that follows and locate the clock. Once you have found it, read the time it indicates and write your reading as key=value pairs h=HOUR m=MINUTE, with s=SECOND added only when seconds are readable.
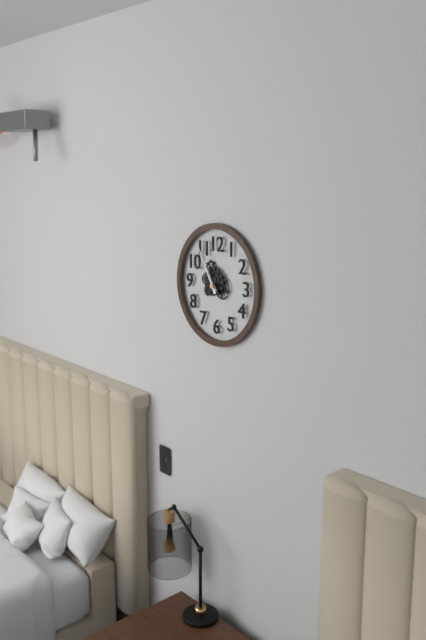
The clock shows h=10 m=55
